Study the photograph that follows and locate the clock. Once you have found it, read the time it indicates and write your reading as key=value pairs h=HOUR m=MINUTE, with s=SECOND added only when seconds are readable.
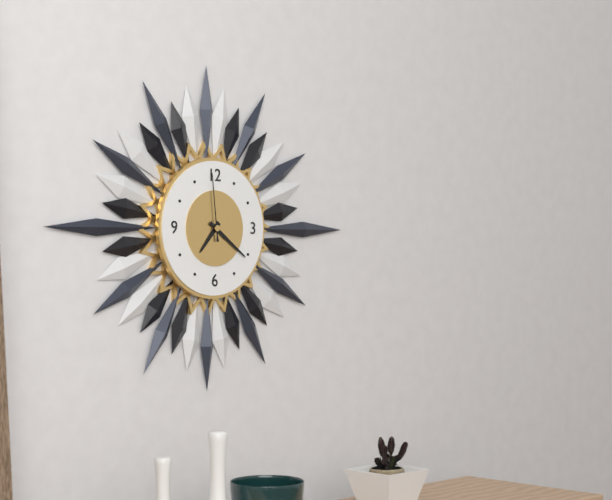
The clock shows h=7 m=21 s=59
